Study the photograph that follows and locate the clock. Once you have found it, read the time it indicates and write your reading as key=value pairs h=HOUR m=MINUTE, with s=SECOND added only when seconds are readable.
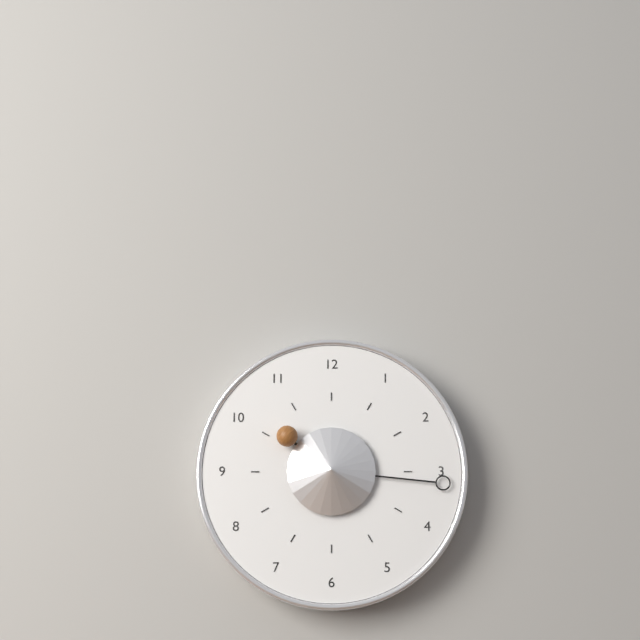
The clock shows h=10 m=16
